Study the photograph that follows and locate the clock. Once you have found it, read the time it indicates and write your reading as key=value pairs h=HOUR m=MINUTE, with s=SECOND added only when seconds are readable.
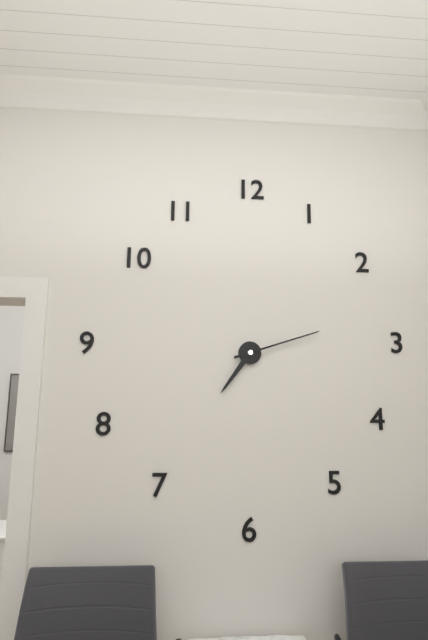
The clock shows h=7 m=12
